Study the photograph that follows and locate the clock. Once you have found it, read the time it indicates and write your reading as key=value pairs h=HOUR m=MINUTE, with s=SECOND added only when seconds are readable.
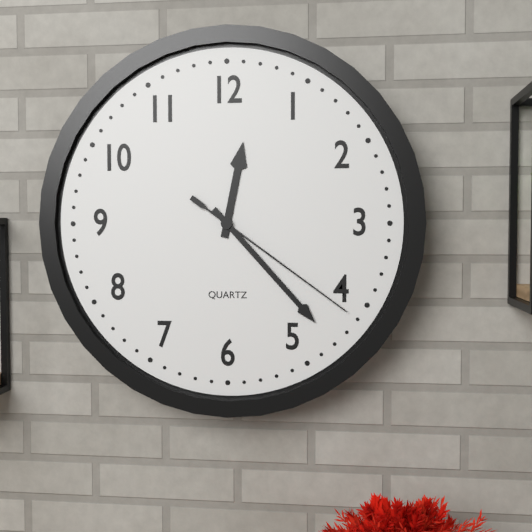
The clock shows h=12 m=23 s=21
